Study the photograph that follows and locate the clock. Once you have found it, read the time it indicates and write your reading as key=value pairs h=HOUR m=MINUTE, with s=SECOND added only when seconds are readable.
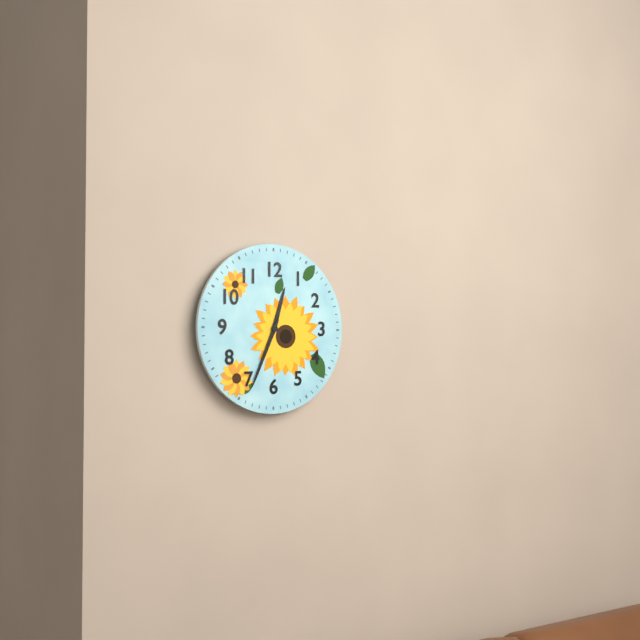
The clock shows h=12 m=34
